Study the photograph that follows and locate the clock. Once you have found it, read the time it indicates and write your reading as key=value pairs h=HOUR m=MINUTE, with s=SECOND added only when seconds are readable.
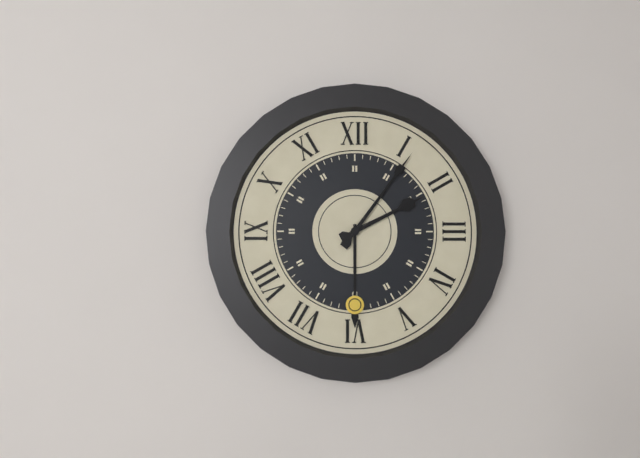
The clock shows h=2 m=6
